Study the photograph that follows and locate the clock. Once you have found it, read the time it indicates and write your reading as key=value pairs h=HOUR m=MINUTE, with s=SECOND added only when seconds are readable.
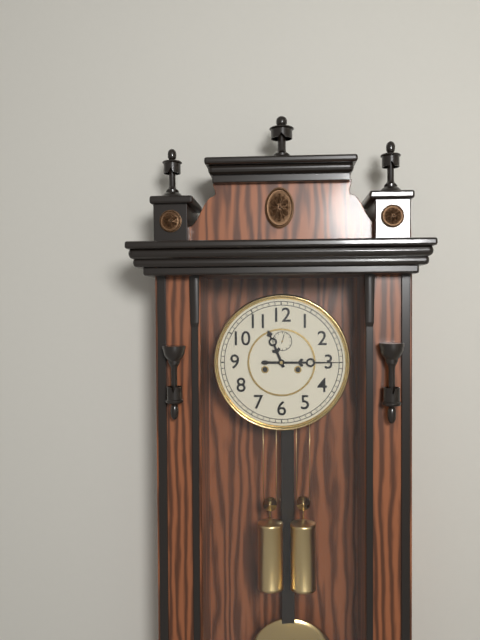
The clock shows h=11 m=15
